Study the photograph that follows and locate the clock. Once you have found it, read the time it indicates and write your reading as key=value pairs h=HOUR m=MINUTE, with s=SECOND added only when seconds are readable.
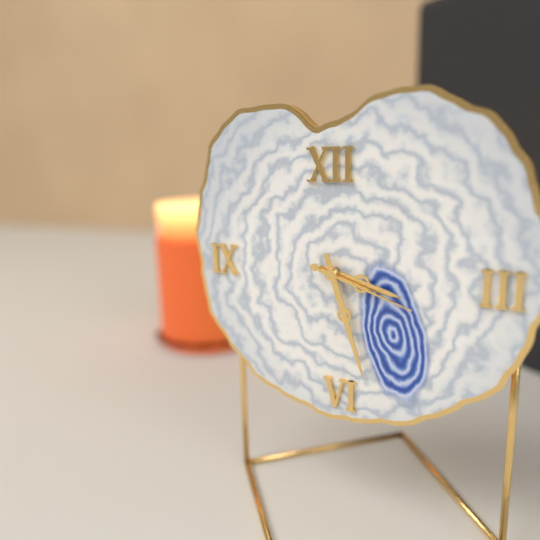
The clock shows h=3 m=27 s=18
